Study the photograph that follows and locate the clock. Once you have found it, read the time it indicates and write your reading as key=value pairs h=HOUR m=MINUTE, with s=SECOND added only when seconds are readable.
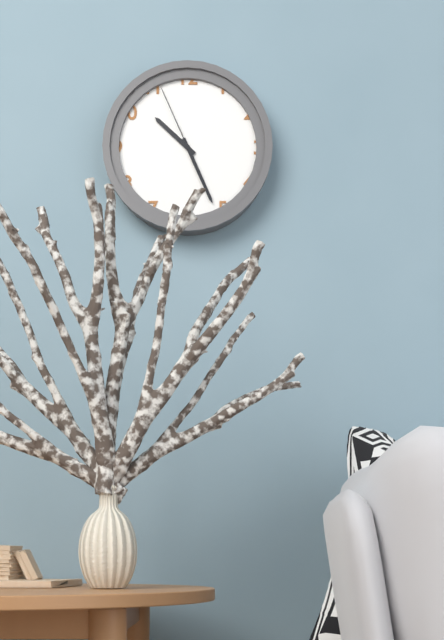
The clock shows h=10 m=26 s=56
